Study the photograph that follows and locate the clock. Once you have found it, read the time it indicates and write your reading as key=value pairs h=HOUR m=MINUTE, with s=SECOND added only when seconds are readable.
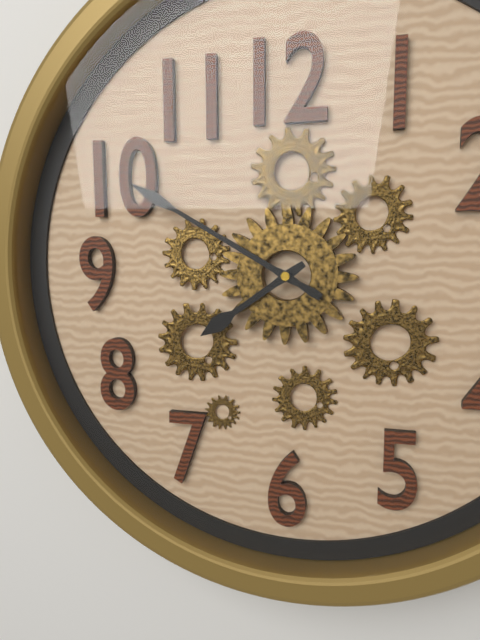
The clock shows h=7 m=50
